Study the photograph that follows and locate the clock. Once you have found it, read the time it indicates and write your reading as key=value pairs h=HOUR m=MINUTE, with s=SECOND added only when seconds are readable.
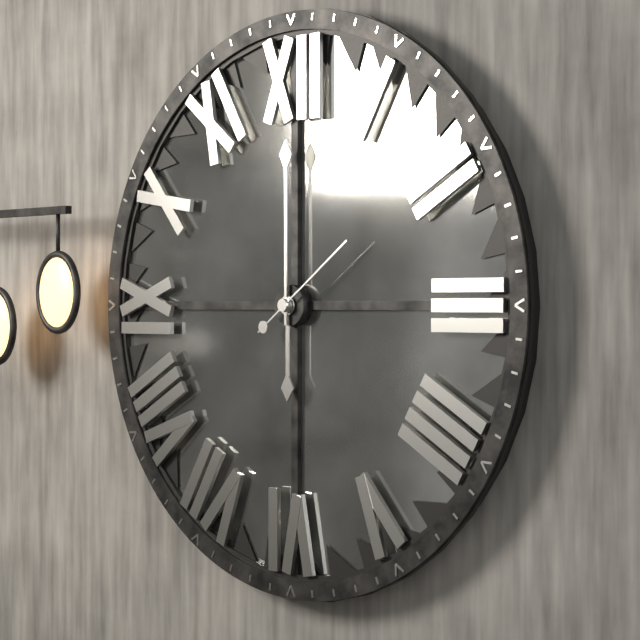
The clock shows h=6 m=0 s=9
